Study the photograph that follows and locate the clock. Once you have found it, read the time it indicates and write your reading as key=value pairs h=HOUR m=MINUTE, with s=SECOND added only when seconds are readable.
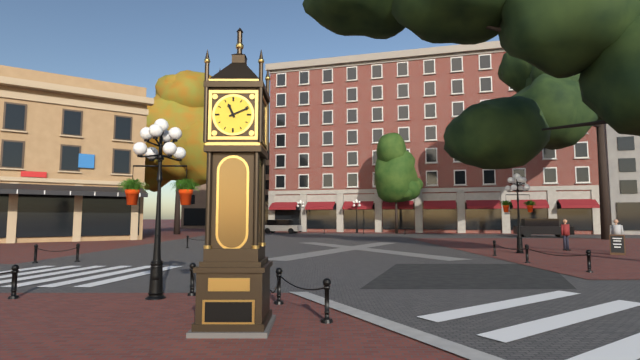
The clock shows h=11 m=11
